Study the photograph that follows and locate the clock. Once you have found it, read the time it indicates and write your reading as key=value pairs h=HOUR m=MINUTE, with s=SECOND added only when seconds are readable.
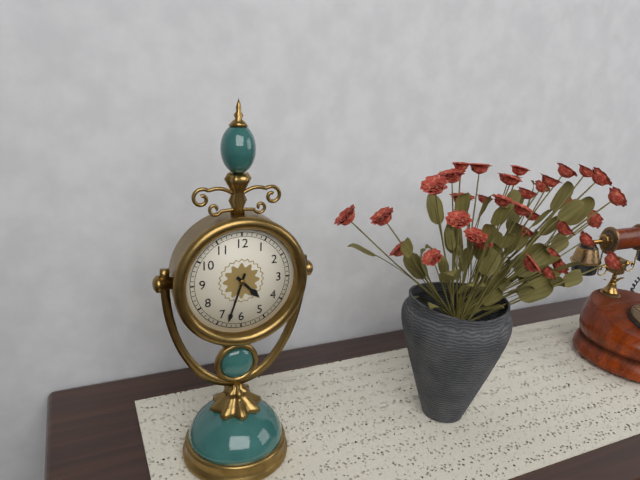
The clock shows h=4 m=33
